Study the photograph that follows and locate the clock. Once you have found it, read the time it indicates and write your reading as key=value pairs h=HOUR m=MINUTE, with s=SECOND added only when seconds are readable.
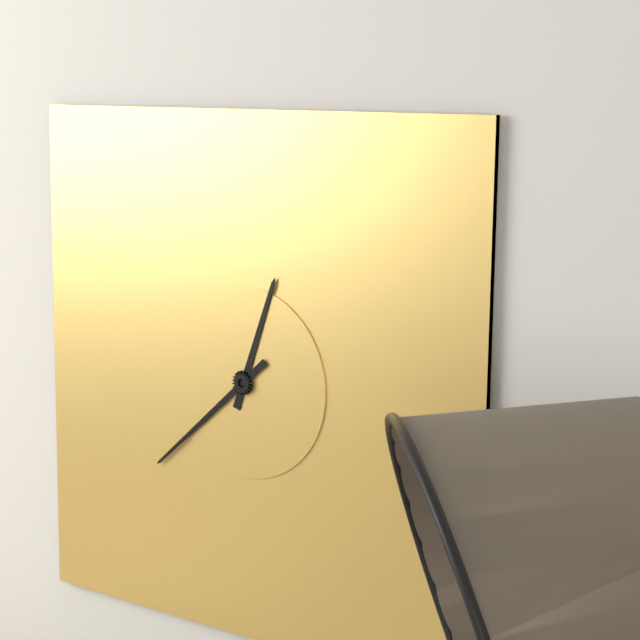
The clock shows h=12 m=38
